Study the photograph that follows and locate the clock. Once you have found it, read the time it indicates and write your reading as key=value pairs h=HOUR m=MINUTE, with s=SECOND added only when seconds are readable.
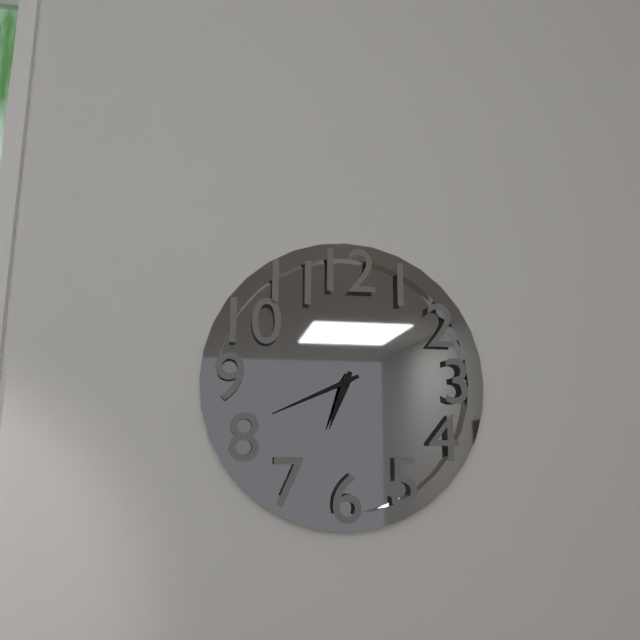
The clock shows h=6 m=41
